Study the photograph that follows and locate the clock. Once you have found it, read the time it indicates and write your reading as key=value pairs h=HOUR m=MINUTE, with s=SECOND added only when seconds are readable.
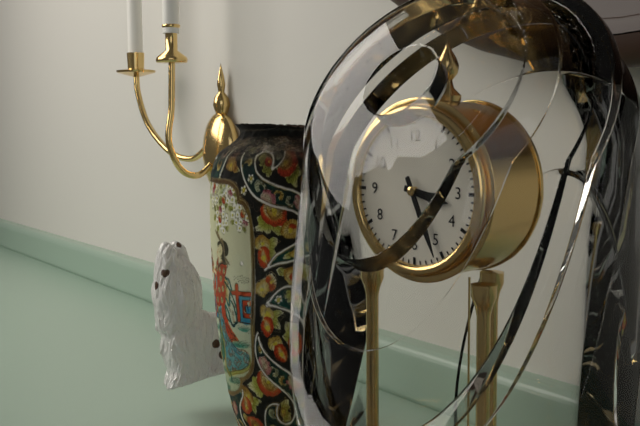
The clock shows h=3 m=26
